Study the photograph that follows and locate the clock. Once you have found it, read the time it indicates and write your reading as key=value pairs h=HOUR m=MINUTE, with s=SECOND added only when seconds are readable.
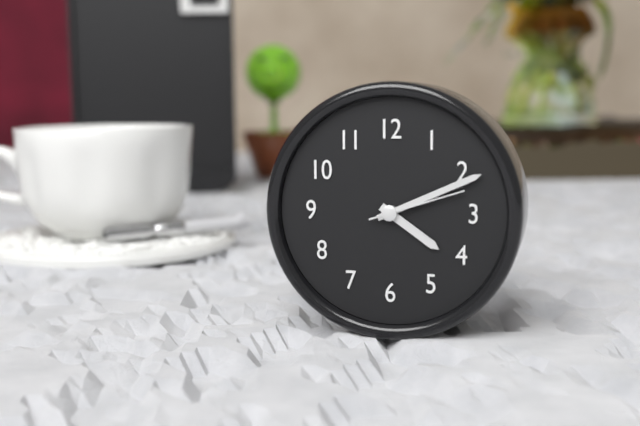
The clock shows h=4 m=11 s=12
